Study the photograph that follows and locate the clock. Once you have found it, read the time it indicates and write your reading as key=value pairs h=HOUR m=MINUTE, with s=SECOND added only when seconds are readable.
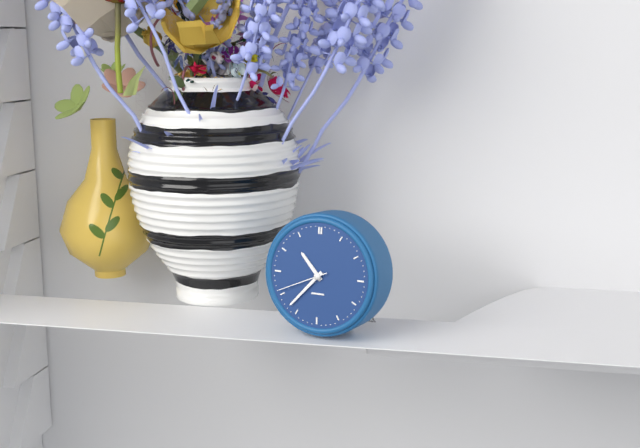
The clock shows h=10 m=37 s=41
